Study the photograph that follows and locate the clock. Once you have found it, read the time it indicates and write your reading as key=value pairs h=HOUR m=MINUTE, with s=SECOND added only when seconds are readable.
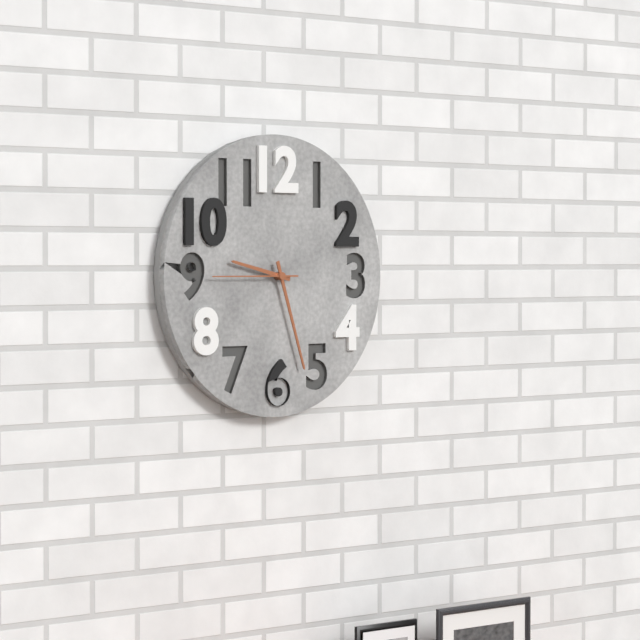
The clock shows h=9 m=27 s=45
